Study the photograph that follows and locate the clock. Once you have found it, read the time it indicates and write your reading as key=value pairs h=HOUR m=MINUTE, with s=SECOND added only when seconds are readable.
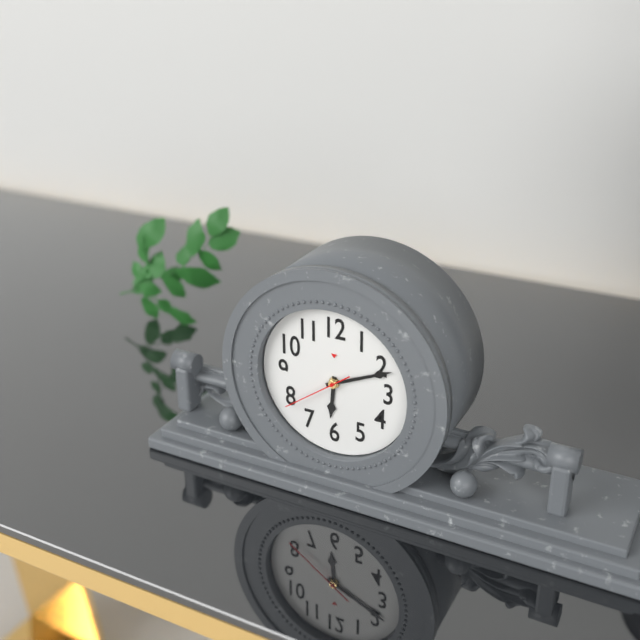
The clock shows h=6 m=11 s=39
